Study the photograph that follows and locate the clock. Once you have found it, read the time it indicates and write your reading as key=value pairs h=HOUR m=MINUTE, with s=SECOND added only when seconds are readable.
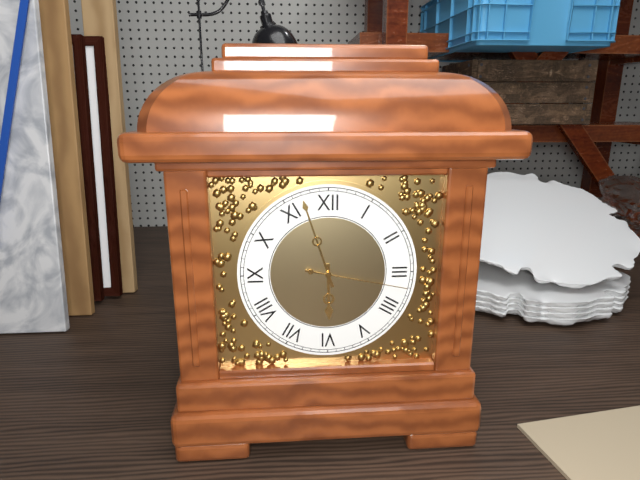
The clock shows h=5 m=57 s=17
